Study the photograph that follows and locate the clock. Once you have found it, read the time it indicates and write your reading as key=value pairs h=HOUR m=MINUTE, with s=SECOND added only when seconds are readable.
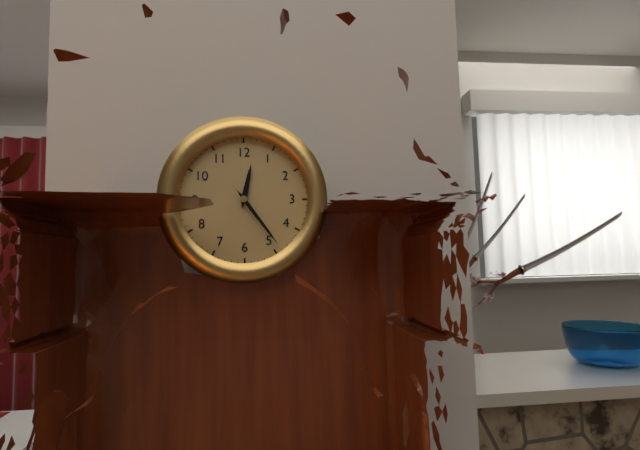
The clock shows h=12 m=24
